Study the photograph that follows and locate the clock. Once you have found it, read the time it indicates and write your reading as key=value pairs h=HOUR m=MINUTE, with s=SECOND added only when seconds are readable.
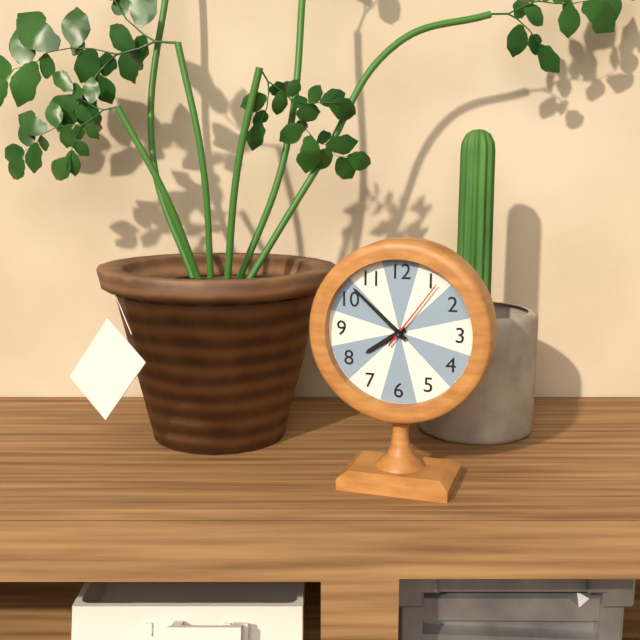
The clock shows h=7 m=52 s=6
